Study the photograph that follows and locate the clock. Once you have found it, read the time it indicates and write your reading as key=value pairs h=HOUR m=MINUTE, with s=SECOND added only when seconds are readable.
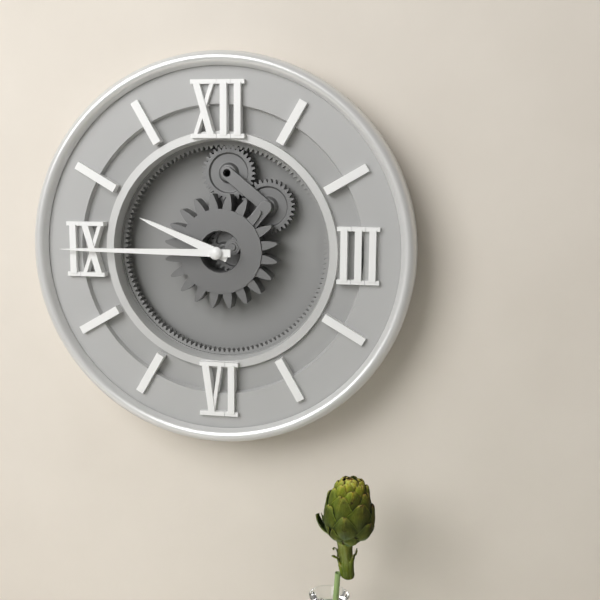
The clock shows h=9 m=45
